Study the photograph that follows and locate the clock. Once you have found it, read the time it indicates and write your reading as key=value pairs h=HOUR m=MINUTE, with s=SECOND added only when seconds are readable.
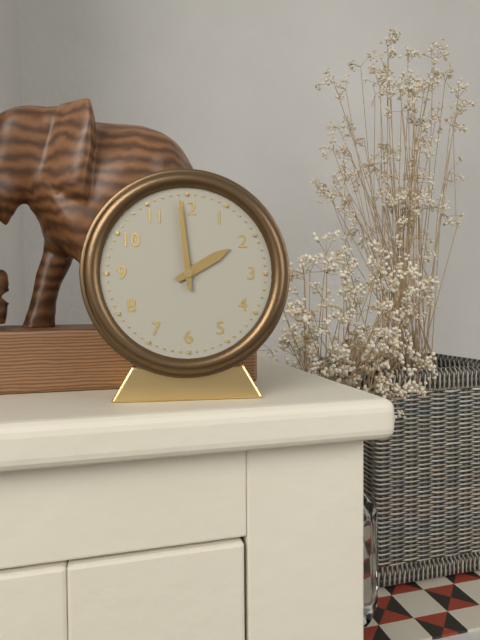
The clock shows h=1 m=59
